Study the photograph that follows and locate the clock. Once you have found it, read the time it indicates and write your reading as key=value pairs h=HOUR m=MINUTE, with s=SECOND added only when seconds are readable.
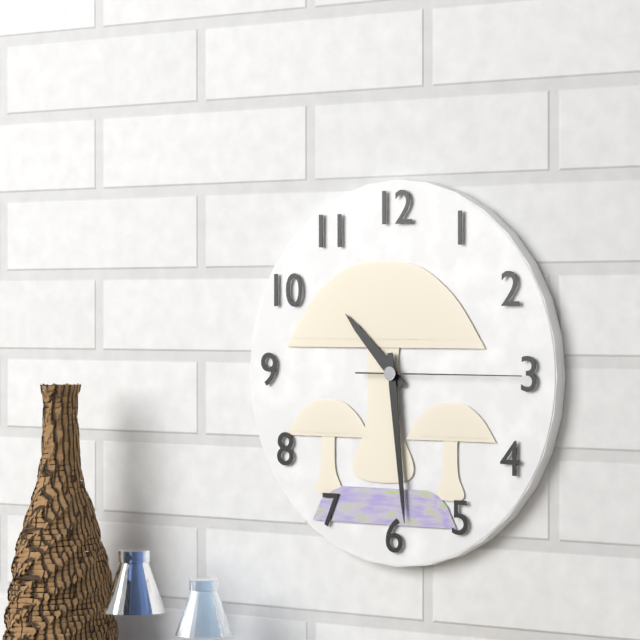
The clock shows h=10 m=29 s=15
